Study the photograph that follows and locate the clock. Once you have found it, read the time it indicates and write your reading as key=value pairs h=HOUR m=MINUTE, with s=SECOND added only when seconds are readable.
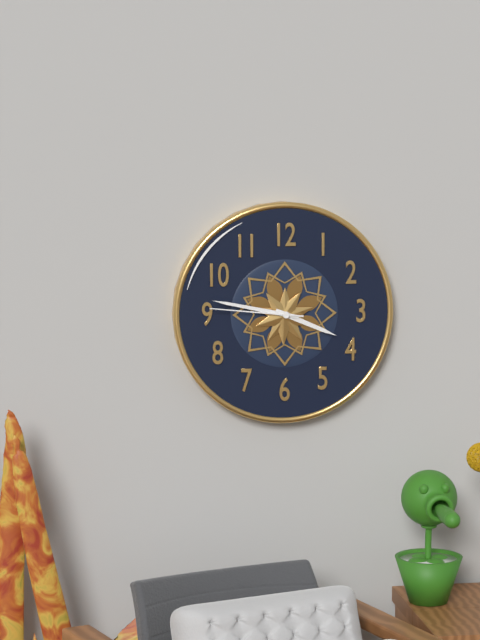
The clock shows h=3 m=47 s=46
